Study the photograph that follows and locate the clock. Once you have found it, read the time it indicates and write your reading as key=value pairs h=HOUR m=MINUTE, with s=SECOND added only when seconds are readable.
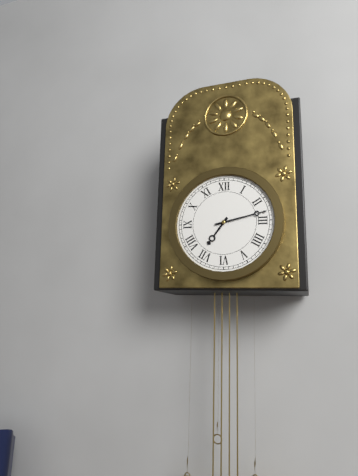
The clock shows h=7 m=13
